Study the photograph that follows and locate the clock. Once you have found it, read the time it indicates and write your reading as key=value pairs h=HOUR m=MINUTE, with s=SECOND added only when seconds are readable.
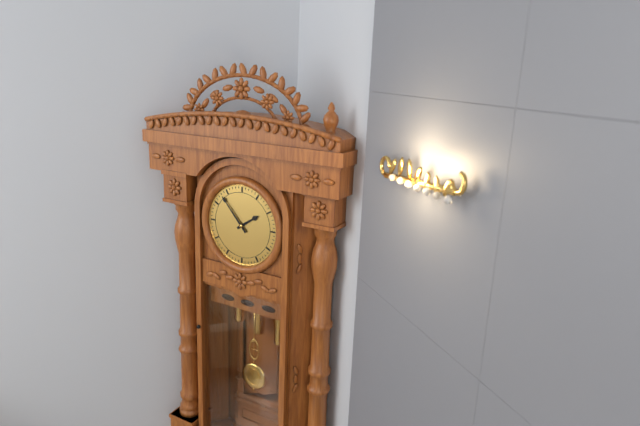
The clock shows h=1 m=53
